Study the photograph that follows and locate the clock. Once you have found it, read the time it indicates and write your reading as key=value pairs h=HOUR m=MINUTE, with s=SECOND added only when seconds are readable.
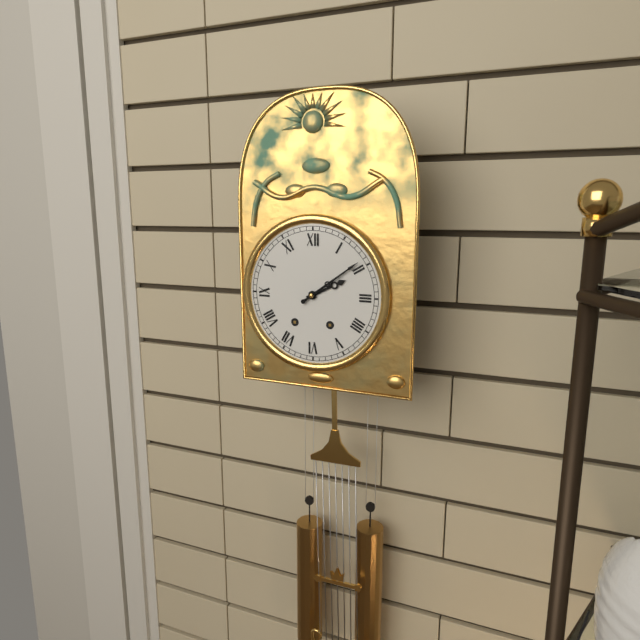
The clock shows h=2 m=9
